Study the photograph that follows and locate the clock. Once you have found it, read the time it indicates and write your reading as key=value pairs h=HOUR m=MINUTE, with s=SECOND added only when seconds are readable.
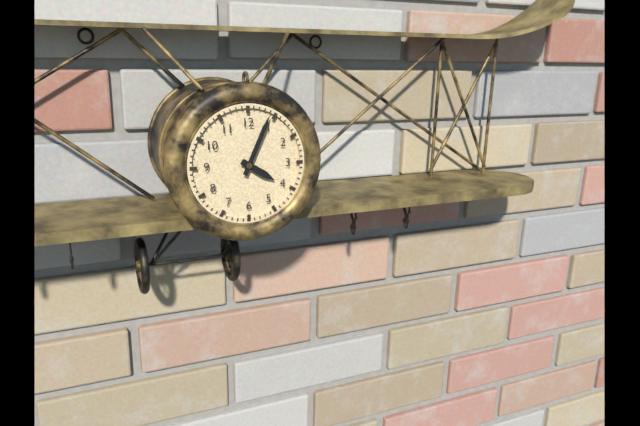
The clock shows h=4 m=4
